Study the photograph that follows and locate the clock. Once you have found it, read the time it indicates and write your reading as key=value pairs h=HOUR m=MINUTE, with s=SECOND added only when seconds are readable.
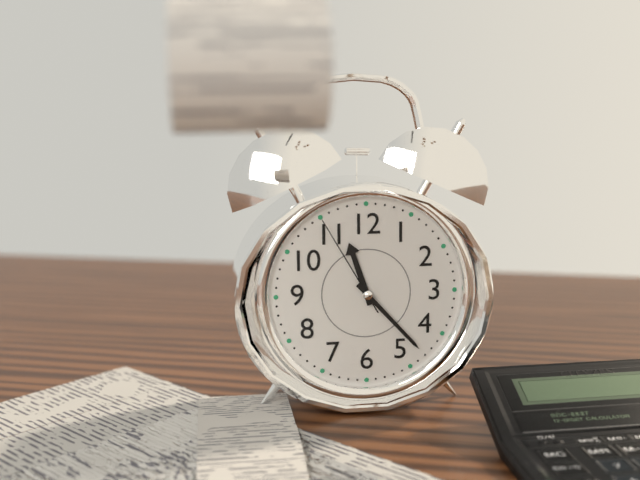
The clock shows h=11 m=23 s=55
